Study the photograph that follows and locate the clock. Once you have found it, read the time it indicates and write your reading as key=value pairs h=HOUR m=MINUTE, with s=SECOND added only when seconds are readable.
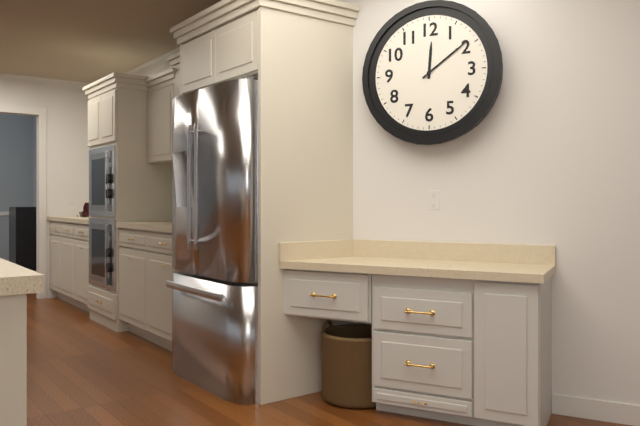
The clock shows h=12 m=9
